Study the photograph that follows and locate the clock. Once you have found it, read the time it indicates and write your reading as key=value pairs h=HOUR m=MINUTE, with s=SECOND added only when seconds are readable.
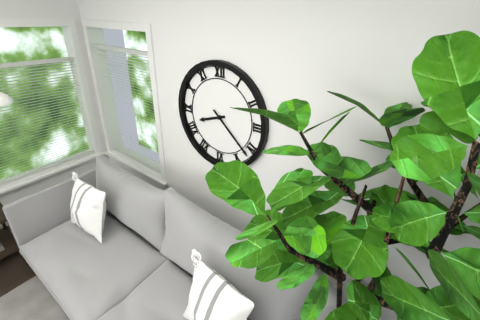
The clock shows h=8 m=22
